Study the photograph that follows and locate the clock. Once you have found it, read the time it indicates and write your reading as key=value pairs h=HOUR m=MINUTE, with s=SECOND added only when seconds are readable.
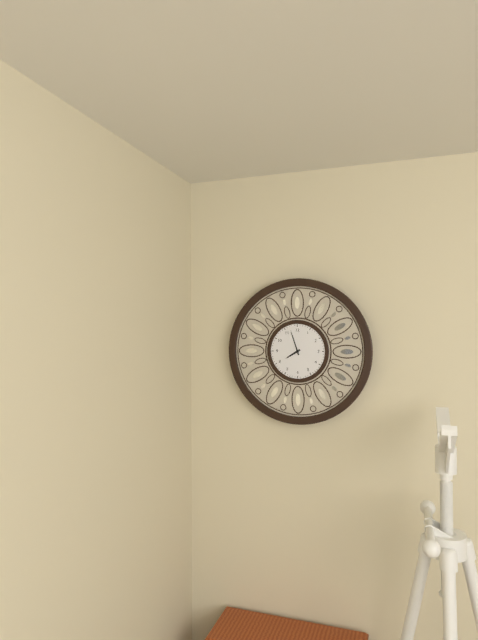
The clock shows h=7 m=57
